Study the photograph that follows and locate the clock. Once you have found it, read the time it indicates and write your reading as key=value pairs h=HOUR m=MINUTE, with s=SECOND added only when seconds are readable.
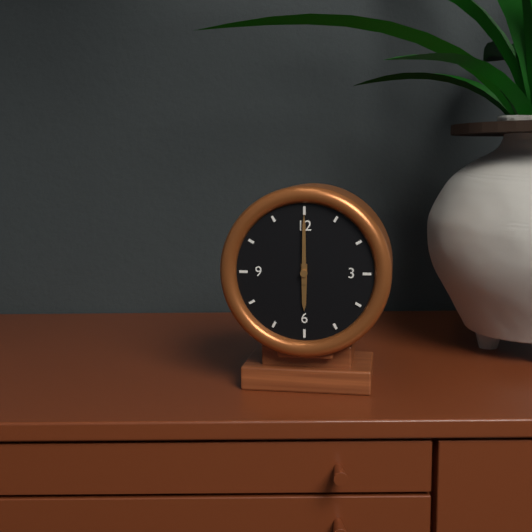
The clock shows h=6 m=0
